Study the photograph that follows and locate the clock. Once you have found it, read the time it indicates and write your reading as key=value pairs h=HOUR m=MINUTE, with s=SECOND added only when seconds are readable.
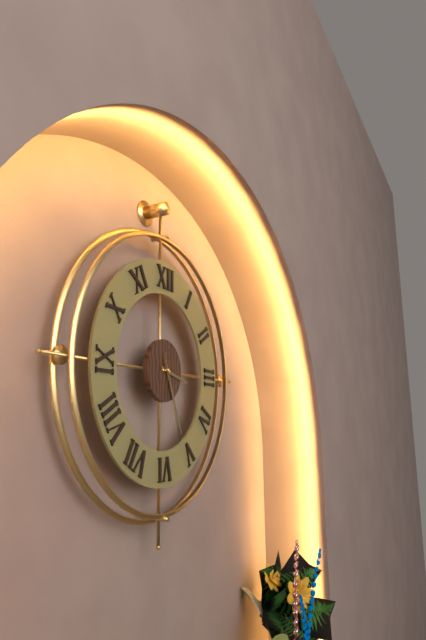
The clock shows h=3 m=26 s=27
